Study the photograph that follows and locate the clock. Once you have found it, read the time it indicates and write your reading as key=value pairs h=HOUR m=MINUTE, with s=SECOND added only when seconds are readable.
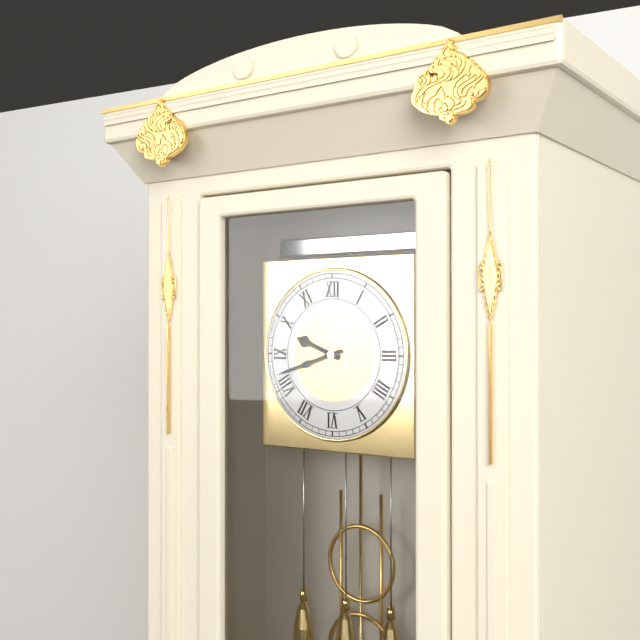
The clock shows h=9 m=42
